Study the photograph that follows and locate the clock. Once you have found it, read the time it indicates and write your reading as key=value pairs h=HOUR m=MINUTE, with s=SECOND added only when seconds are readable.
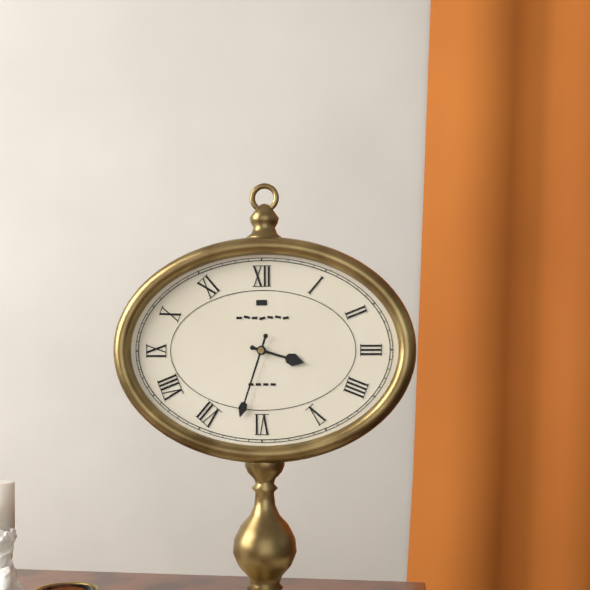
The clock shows h=3 m=33
